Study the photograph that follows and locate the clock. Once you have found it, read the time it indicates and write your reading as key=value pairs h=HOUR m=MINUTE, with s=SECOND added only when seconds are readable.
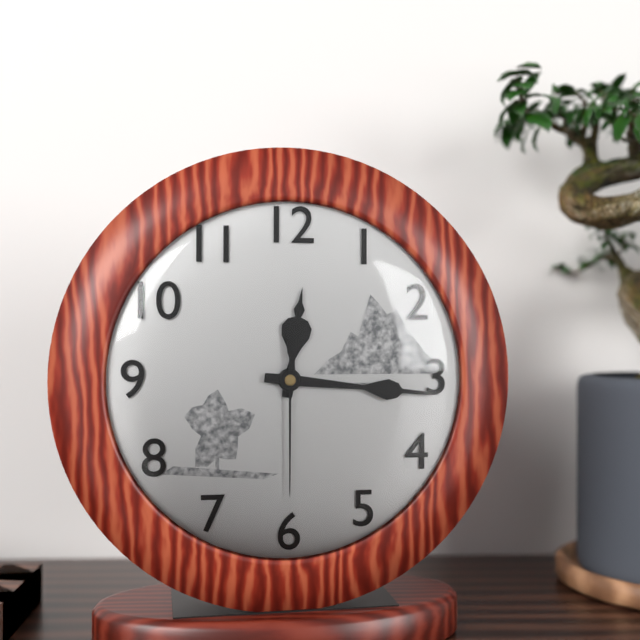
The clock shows h=12 m=16 s=30
